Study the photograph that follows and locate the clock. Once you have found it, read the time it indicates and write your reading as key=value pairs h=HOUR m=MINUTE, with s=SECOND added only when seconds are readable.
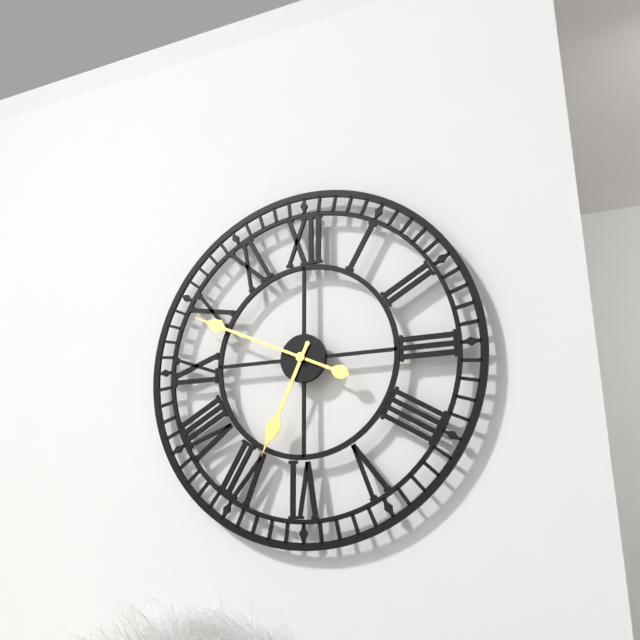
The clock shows h=6 m=49
